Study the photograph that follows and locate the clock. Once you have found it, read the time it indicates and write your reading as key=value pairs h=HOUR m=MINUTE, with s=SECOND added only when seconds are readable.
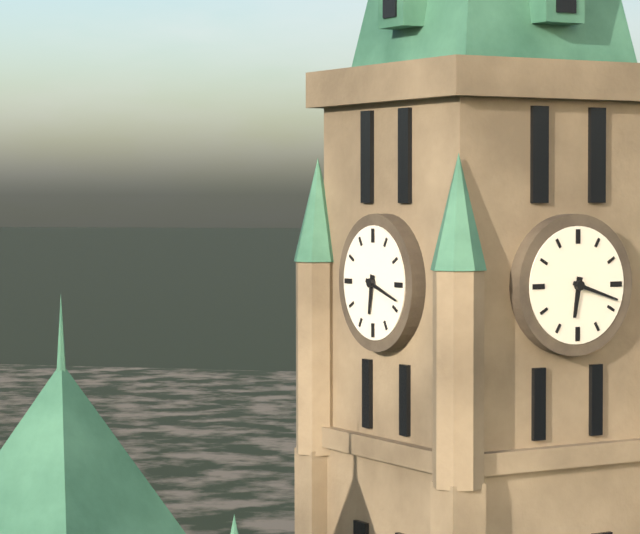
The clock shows h=6 m=18
